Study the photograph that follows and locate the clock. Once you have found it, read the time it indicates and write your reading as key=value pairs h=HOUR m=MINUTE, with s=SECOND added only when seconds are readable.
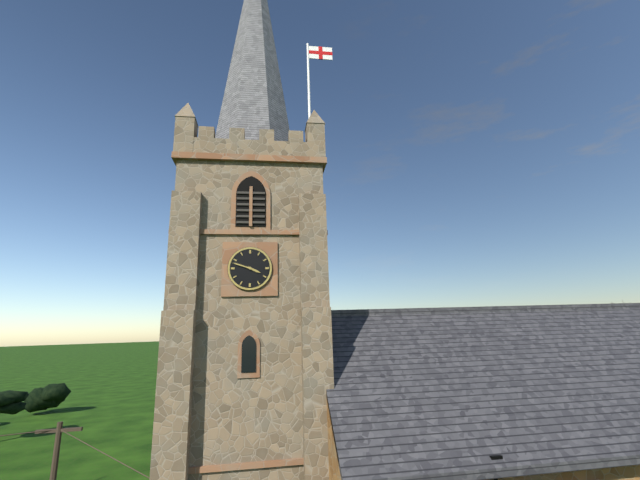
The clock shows h=3 m=48
